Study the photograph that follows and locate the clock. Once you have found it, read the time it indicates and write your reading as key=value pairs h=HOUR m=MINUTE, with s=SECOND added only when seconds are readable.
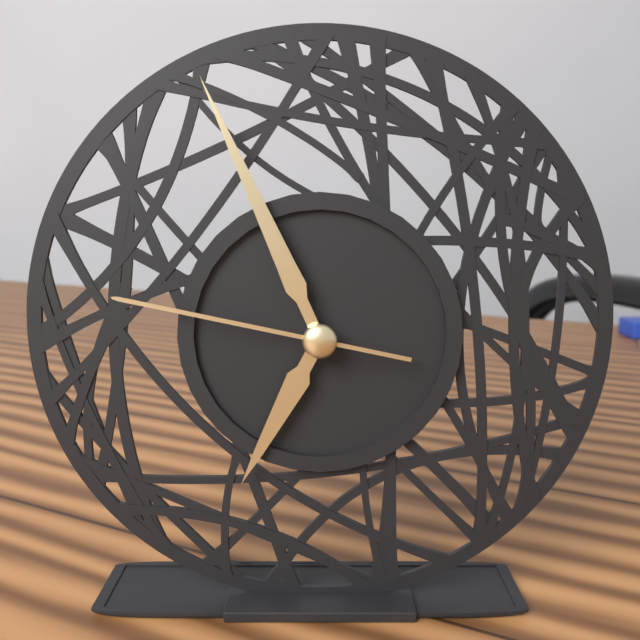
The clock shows h=6 m=56 s=47
